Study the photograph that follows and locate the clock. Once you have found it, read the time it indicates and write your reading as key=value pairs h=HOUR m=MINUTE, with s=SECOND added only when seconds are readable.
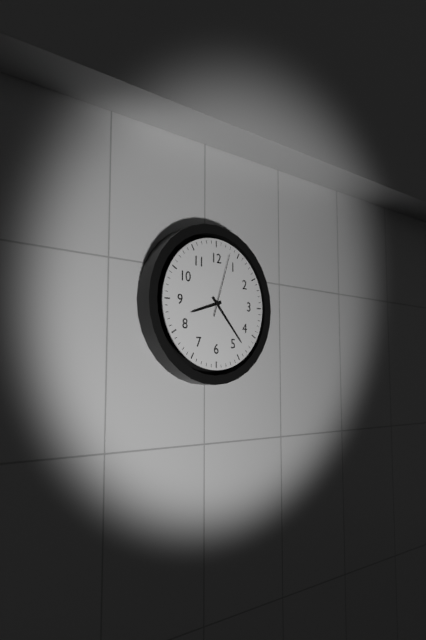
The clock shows h=8 m=23 s=3
